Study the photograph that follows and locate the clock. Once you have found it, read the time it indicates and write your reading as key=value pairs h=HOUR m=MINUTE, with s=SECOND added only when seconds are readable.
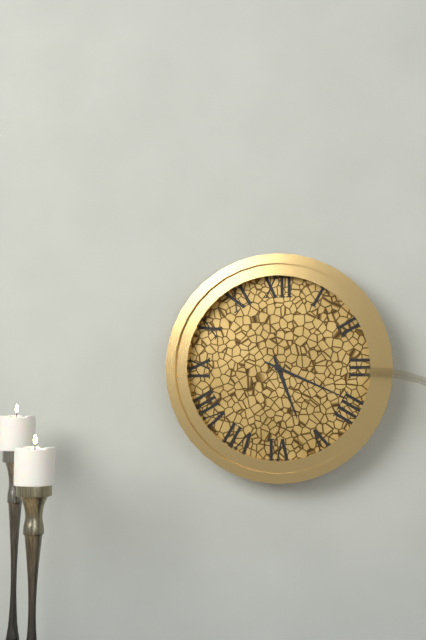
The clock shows h=5 m=19
